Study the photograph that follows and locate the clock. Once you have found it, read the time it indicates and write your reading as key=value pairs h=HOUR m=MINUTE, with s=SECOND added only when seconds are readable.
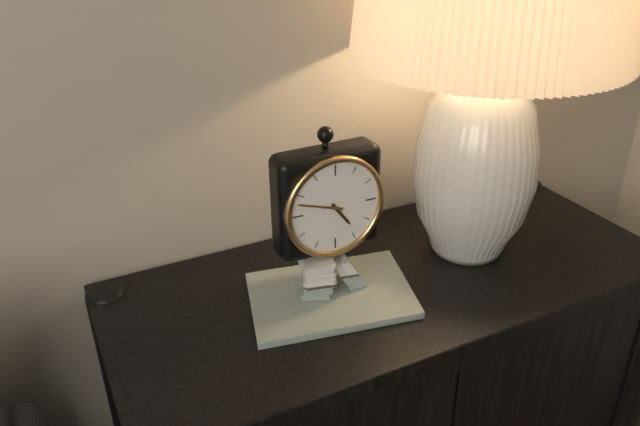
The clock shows h=4 m=48
